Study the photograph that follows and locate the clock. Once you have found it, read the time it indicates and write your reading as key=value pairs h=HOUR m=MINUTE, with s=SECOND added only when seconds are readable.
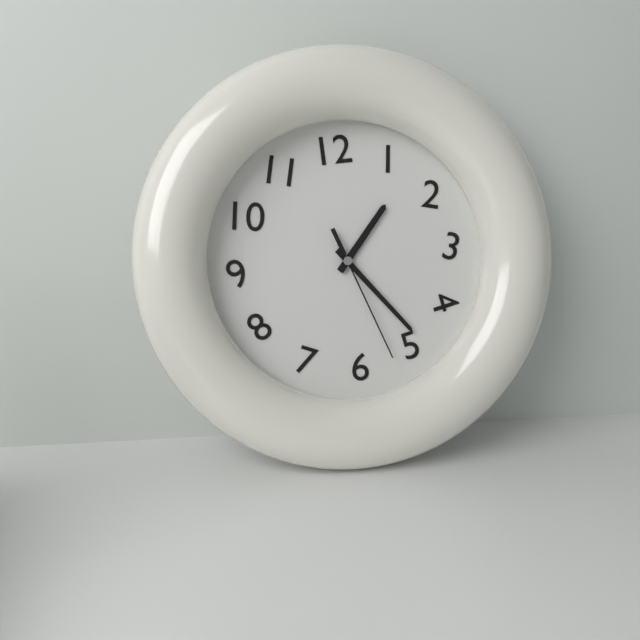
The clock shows h=1 m=24 s=27
